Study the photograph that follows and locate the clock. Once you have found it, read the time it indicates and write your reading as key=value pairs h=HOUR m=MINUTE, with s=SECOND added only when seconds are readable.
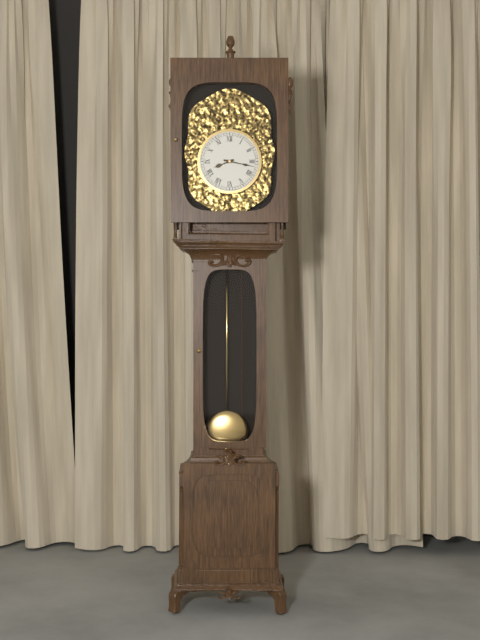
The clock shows h=8 m=17
